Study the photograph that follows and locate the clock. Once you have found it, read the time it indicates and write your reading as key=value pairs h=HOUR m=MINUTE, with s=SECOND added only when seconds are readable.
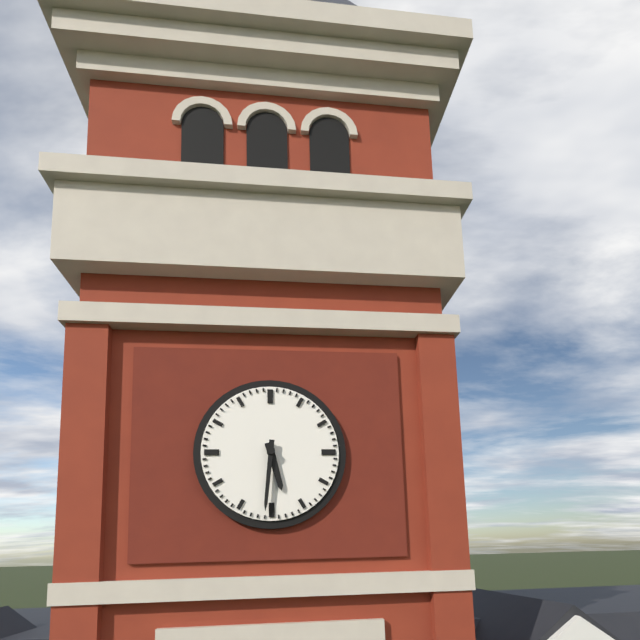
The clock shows h=5 m=31
